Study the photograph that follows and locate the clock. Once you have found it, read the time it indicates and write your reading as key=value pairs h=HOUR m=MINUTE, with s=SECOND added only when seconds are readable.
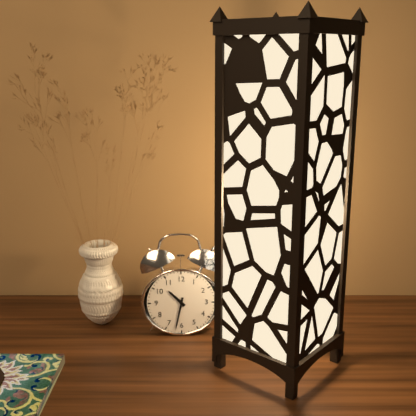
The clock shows h=10 m=32
